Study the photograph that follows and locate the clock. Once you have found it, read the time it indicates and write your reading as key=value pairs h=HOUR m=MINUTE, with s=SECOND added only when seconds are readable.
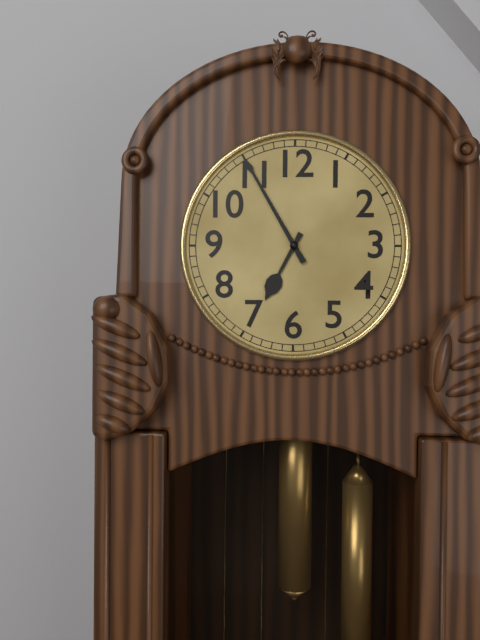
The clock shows h=6 m=55
